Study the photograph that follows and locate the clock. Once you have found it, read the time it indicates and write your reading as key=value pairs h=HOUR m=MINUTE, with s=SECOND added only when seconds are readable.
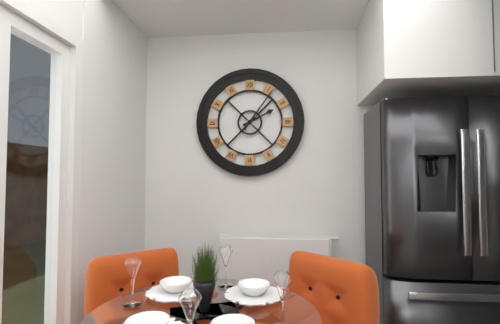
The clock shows h=2 m=6
